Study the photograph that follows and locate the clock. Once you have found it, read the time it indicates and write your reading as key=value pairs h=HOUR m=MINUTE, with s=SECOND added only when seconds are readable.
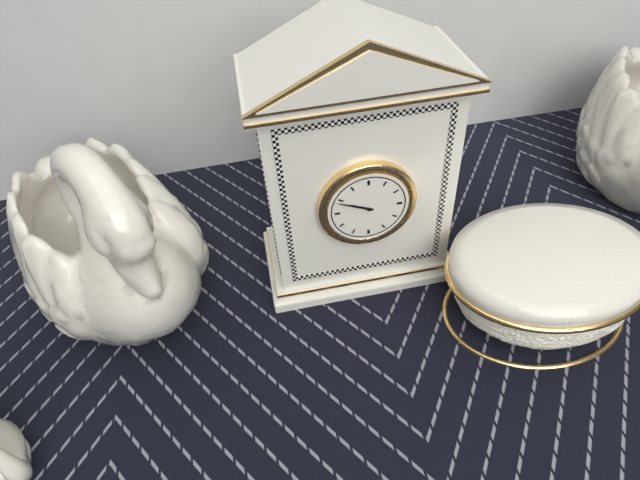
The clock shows h=9 m=49
